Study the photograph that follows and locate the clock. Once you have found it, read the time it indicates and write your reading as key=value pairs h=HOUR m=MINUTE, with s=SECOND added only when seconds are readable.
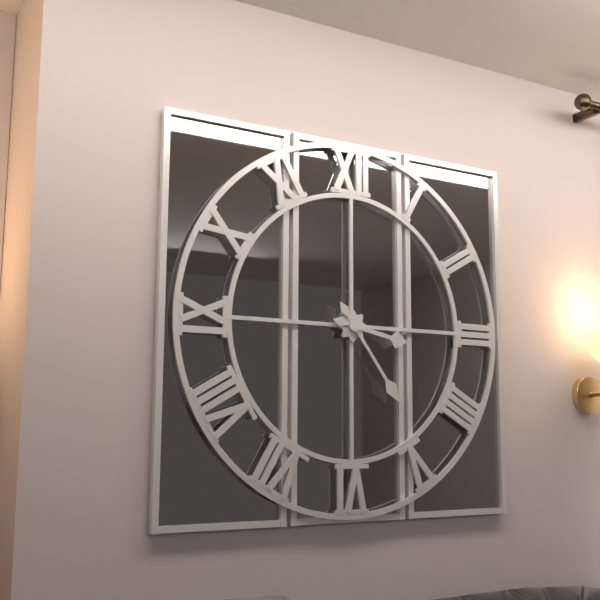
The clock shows h=3 m=24
